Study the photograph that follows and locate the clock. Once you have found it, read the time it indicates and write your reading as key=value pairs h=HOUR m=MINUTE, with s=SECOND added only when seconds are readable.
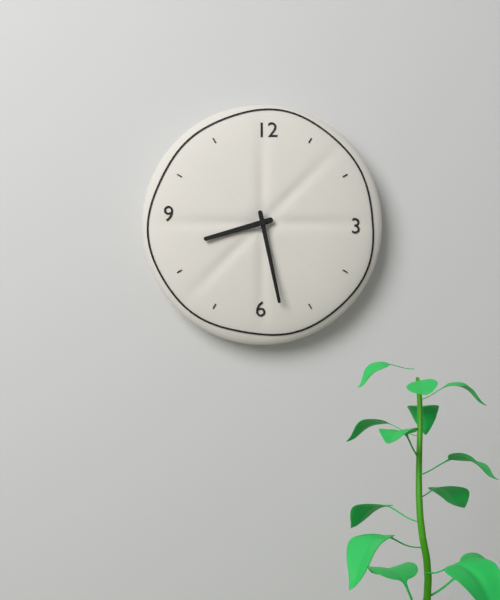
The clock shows h=8 m=28
